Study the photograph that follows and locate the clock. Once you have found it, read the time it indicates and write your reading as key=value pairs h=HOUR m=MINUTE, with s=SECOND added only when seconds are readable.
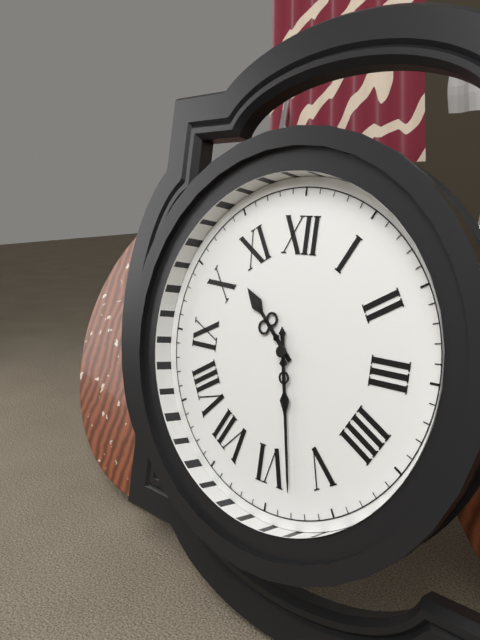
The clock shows h=10 m=28
